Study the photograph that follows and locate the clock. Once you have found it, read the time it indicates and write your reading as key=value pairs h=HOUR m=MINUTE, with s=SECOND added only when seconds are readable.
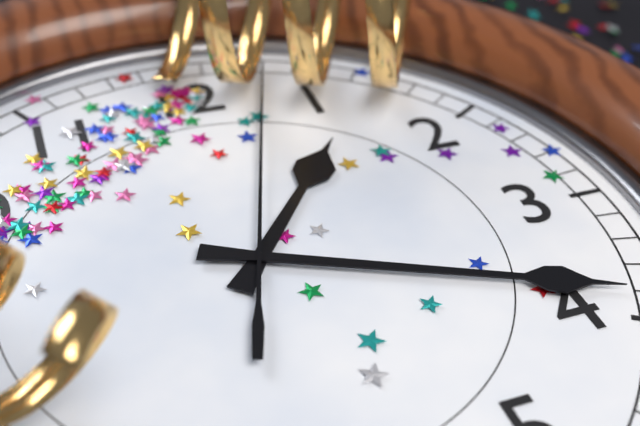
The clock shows h=1 m=19 s=3
